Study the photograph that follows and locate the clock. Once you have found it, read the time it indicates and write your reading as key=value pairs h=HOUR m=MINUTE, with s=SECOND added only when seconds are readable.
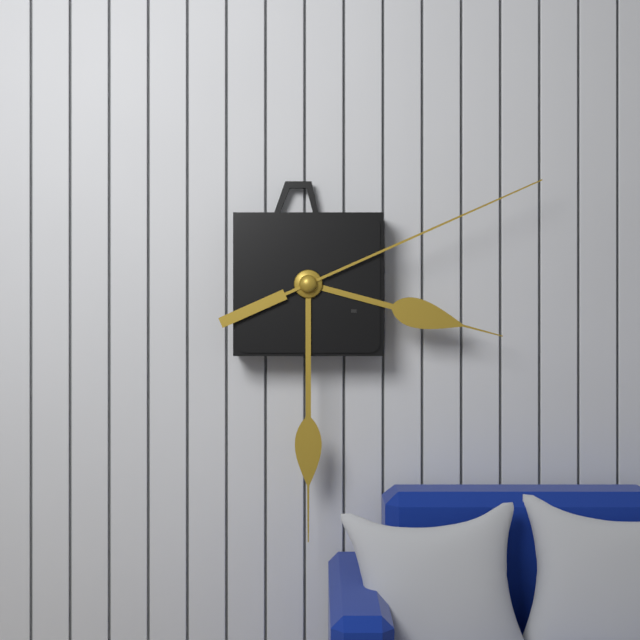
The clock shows h=3 m=30 s=11
